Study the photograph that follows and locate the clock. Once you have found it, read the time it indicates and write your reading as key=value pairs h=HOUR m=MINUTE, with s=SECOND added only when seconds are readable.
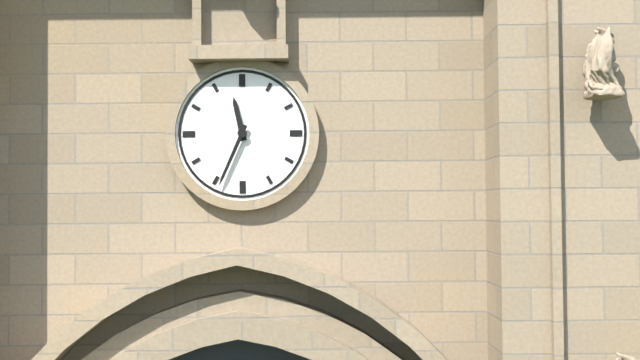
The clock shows h=11 m=34
